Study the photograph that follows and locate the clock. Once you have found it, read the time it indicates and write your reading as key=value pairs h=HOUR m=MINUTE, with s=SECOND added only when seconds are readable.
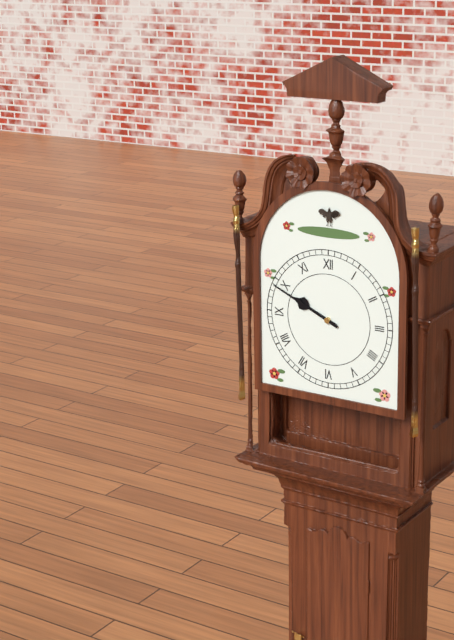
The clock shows h=9 m=49
